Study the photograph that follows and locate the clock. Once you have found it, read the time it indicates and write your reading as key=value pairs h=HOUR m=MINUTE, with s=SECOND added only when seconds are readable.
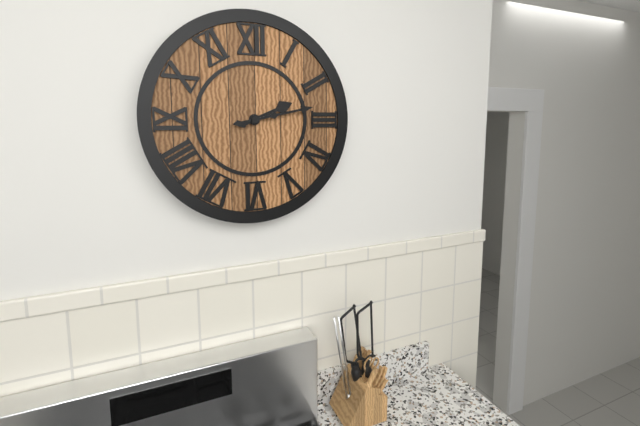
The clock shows h=2 m=13
